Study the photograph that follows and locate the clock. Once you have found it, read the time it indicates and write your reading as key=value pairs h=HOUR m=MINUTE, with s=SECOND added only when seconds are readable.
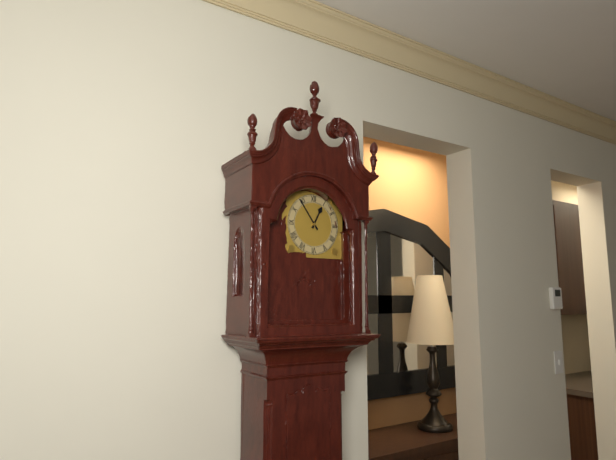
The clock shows h=12 m=54
